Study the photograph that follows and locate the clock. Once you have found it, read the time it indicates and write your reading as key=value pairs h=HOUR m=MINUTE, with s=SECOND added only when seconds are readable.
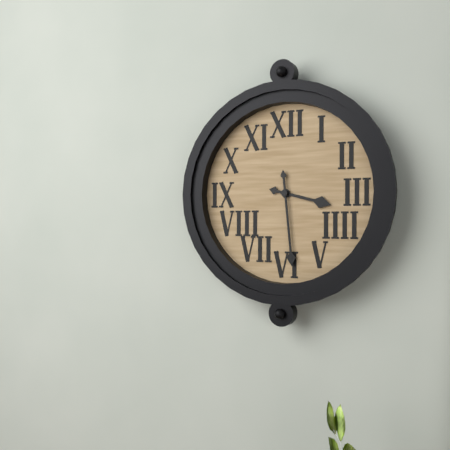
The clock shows h=3 m=29
